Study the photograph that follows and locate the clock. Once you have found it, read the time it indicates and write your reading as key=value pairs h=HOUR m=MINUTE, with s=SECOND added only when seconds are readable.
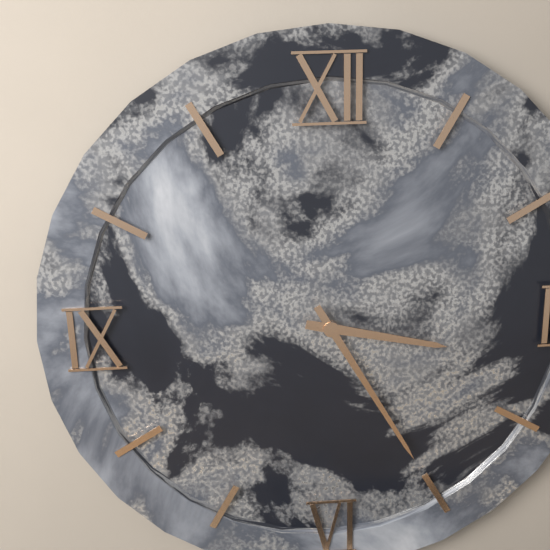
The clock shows h=3 m=25
